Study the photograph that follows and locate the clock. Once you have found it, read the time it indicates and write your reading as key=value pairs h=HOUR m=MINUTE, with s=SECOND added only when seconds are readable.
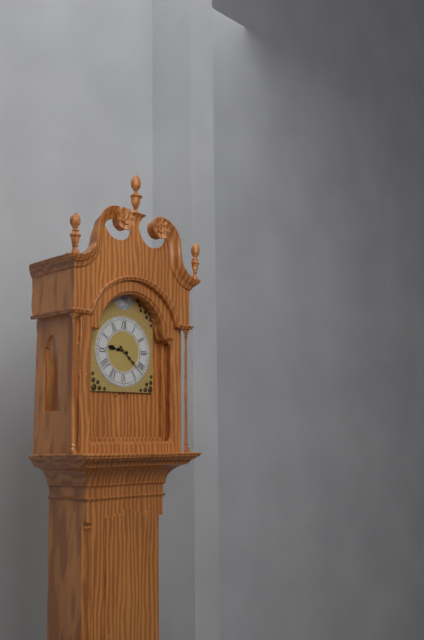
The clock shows h=9 m=22
